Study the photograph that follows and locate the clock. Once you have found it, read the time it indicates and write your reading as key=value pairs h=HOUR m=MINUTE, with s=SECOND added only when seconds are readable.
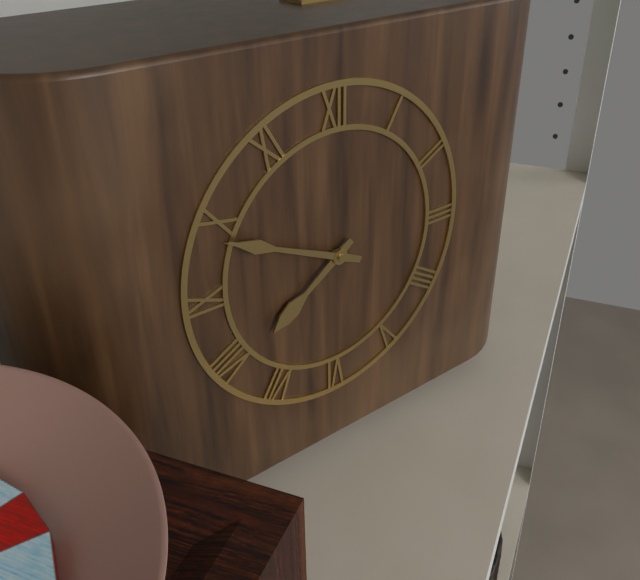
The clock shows h=7 m=49
